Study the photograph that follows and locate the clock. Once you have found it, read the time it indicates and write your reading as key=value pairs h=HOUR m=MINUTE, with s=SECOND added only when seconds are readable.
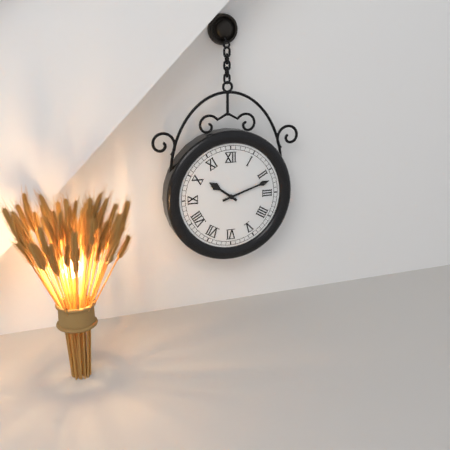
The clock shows h=10 m=12
